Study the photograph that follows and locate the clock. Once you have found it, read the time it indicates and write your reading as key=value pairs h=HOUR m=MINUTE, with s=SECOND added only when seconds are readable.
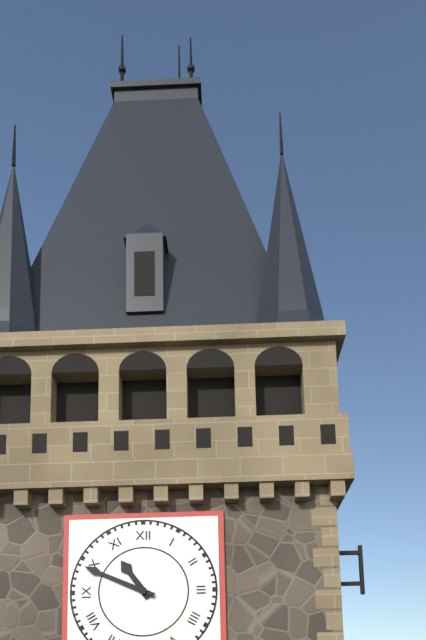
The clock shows h=10 m=49
